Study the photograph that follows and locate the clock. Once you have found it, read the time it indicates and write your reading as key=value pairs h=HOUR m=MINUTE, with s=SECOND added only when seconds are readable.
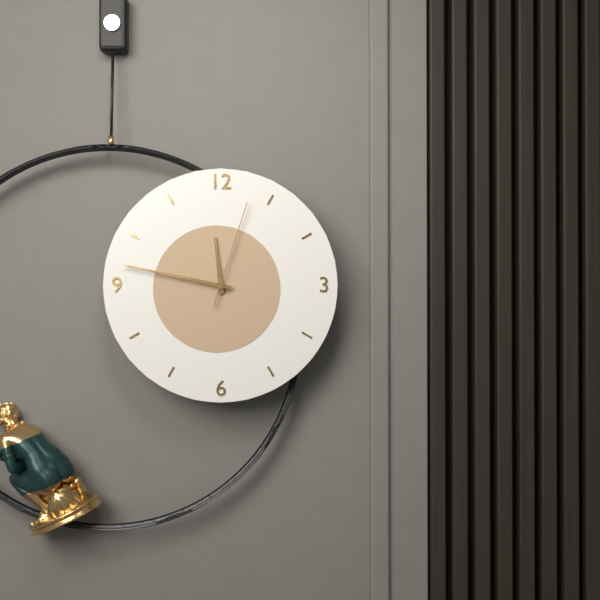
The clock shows h=11 m=47 s=3
